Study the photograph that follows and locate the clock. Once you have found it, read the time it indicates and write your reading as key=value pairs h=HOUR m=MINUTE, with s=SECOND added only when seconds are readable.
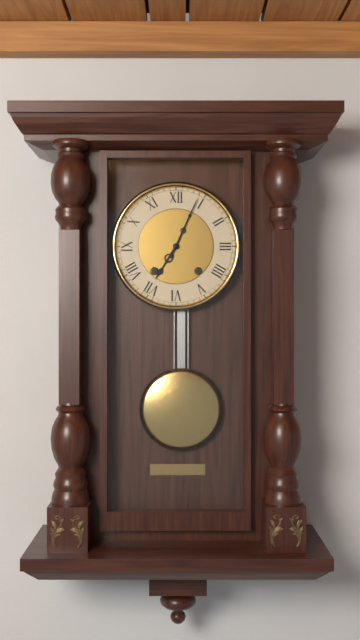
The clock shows h=7 m=4
